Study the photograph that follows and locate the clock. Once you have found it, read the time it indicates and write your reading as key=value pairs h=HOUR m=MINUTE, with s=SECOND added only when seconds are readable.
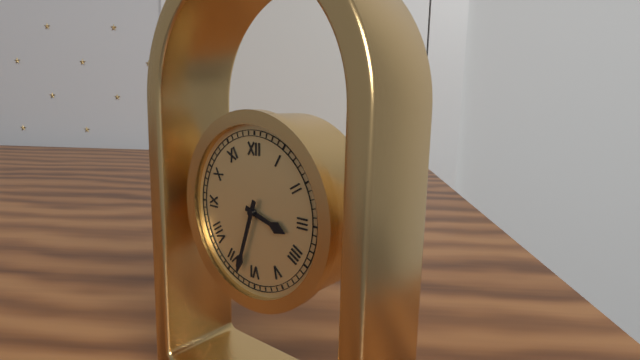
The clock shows h=3 m=33
